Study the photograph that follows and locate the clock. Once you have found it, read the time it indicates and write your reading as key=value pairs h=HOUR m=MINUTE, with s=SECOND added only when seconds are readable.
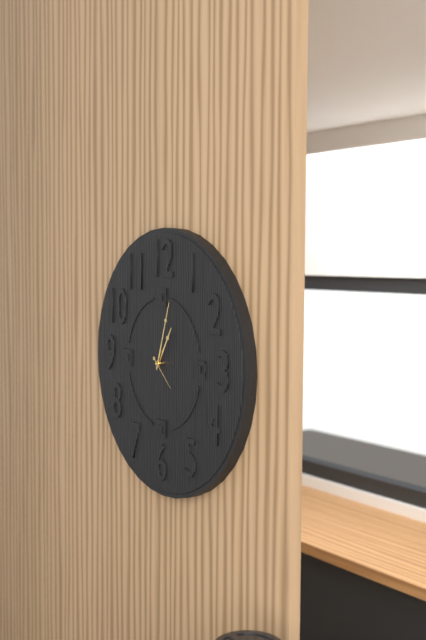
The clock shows h=1 m=3
